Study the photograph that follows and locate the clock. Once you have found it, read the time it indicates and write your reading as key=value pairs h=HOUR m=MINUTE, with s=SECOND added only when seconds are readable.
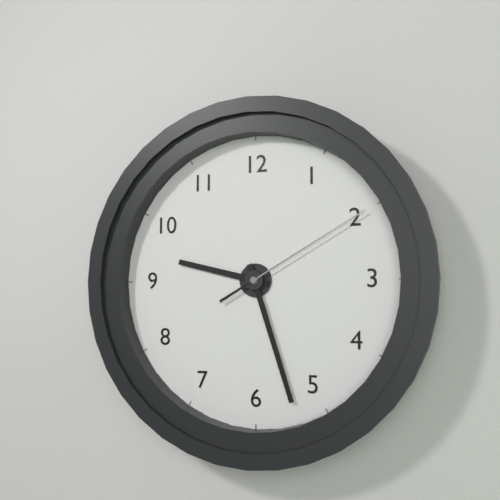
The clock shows h=9 m=27 s=10
